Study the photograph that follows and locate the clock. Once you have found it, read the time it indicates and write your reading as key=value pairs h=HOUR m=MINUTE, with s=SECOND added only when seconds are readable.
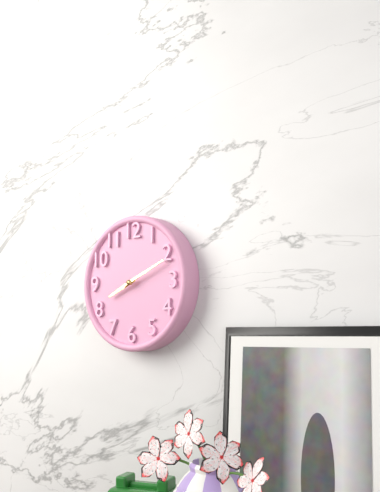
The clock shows h=8 m=11
